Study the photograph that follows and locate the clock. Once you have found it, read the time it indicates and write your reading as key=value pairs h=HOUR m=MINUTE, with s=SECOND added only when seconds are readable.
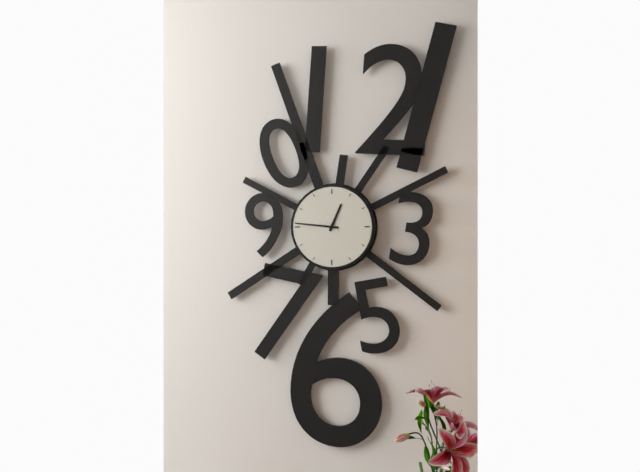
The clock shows h=12 m=46
